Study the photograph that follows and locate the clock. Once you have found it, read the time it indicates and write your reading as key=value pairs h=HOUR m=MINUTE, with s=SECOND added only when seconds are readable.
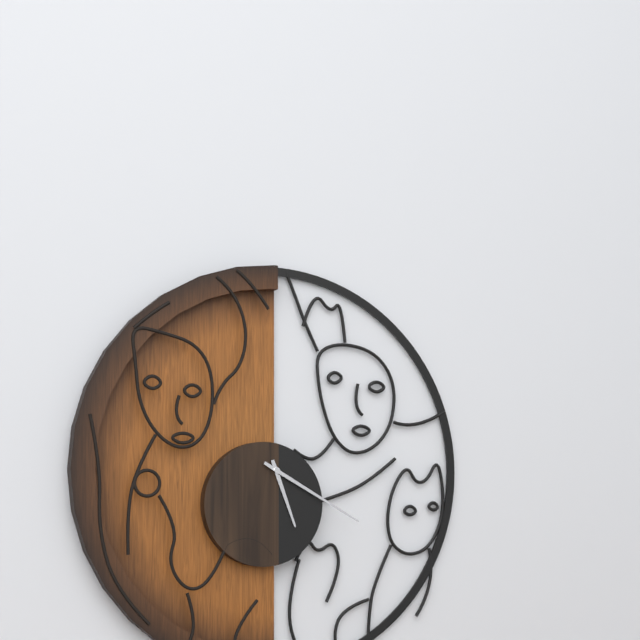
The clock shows h=5 m=20
